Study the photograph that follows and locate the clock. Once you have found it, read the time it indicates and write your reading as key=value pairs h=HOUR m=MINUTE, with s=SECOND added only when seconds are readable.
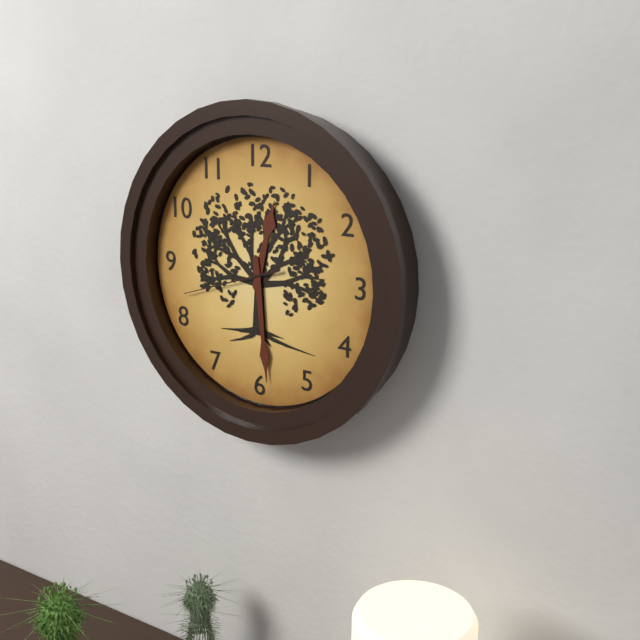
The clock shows h=12 m=29 s=42
